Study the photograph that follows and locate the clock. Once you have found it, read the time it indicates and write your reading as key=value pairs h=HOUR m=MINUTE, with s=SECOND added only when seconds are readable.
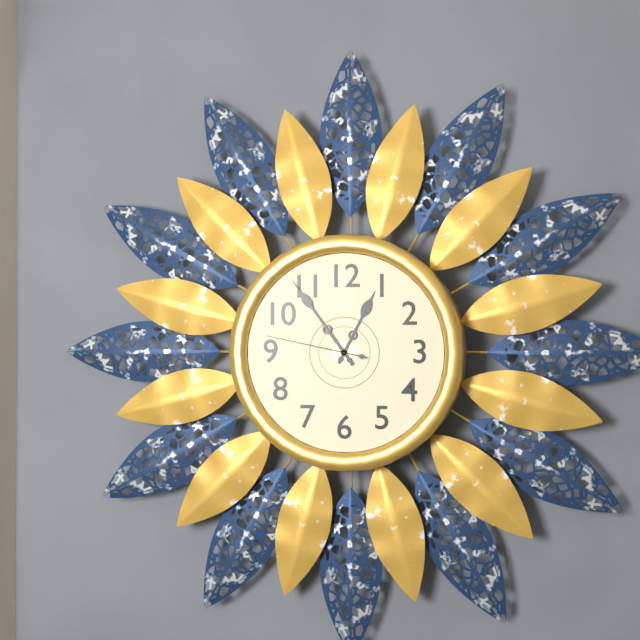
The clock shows h=12 m=54 s=47
